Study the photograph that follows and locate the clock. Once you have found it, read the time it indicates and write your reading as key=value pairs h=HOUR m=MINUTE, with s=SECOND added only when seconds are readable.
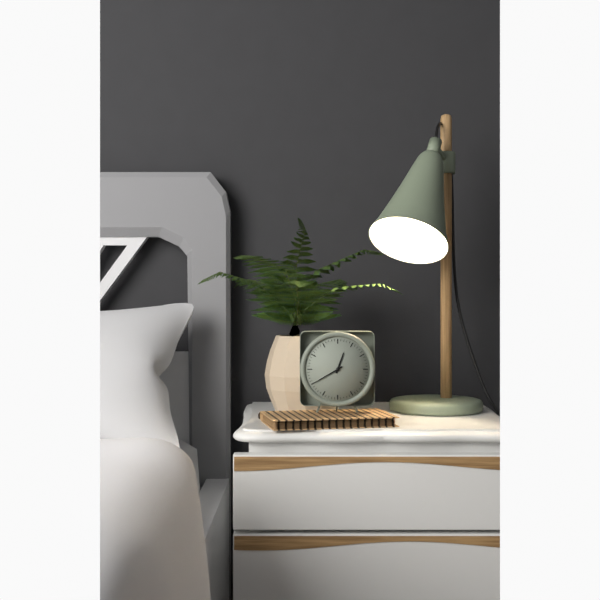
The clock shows h=12 m=40
